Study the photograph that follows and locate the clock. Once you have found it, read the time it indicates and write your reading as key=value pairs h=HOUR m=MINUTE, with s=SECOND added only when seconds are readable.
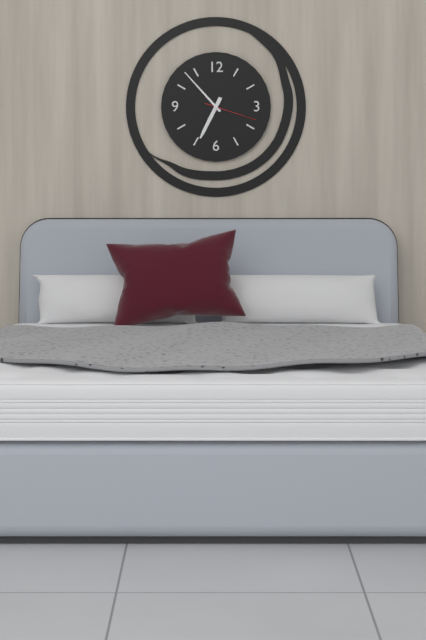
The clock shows h=6 m=53 s=18
